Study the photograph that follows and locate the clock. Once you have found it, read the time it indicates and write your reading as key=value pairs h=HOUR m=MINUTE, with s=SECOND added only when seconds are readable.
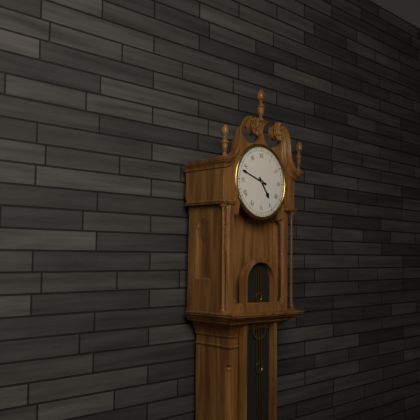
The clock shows h=4 m=48
